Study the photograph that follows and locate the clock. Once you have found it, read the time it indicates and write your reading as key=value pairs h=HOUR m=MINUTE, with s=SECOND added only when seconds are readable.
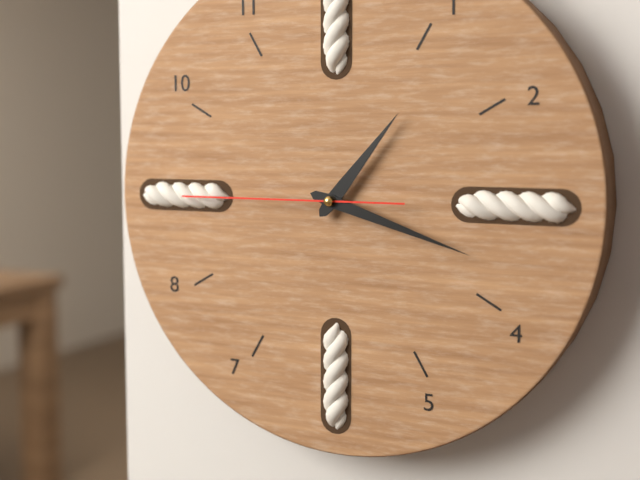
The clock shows h=1 m=18 s=45
